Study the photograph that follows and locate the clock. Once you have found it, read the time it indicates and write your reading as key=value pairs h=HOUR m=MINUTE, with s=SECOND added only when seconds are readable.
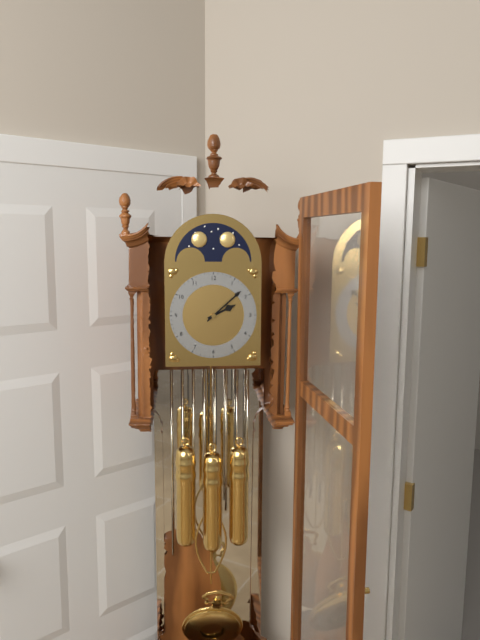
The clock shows h=2 m=8
